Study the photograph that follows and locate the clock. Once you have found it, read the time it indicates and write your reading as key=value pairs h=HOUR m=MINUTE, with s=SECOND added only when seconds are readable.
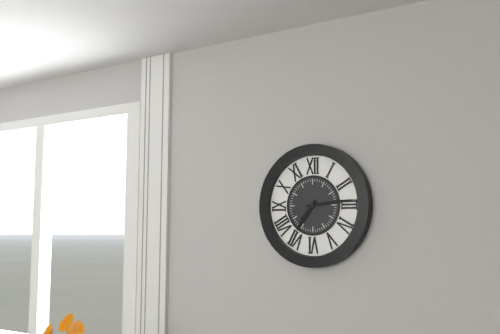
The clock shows h=7 m=14
